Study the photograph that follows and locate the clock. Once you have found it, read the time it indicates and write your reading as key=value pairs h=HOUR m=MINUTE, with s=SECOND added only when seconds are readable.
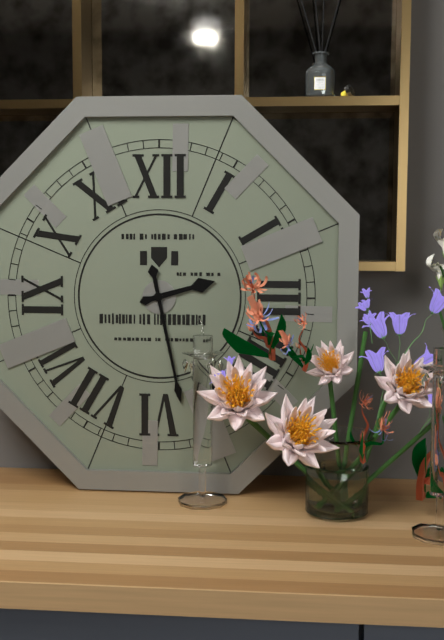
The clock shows h=2 m=28
